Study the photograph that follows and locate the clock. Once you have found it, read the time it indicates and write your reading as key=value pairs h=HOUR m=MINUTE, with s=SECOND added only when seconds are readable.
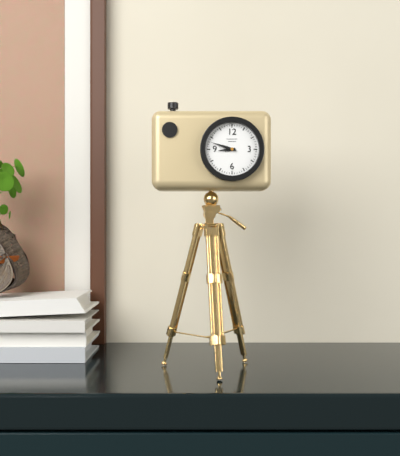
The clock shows h=8 m=48
